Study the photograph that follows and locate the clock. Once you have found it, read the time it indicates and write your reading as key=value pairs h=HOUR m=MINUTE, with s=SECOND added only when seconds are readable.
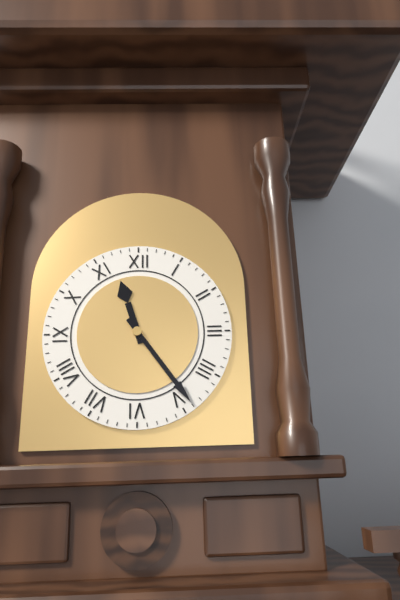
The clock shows h=11 m=24
